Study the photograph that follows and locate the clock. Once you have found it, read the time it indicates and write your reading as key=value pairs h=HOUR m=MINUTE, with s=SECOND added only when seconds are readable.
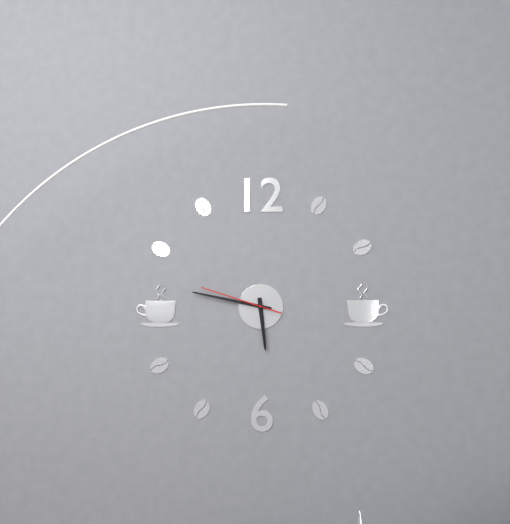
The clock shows h=5 m=47 s=48
